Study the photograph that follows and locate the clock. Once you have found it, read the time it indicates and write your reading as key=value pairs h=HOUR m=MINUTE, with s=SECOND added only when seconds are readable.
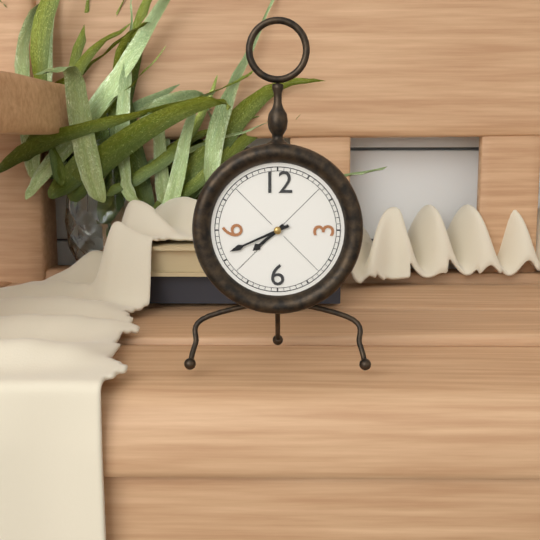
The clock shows h=7 m=41
